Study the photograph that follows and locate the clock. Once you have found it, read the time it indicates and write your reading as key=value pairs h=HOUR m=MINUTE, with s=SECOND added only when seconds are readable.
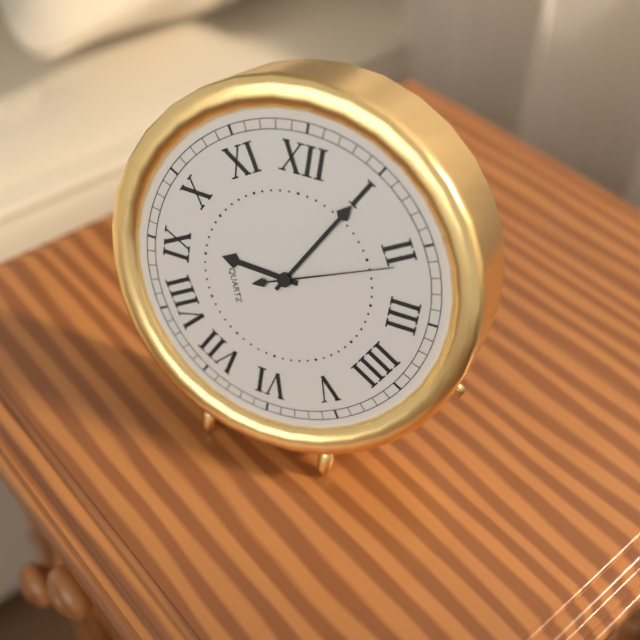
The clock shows h=9 m=5 s=11
